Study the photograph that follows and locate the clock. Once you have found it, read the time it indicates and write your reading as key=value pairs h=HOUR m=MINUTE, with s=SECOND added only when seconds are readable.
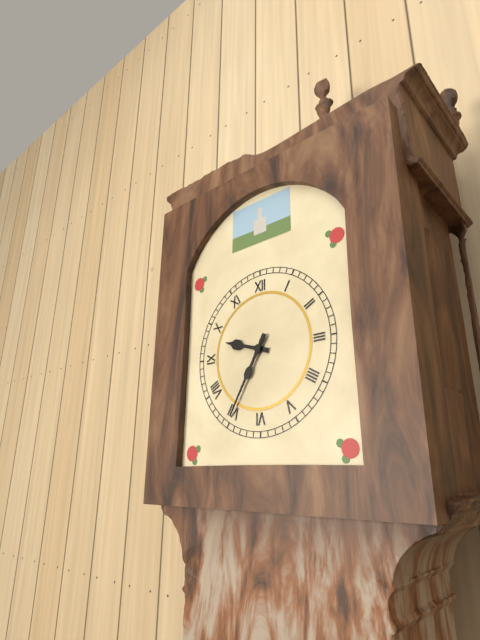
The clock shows h=9 m=35
